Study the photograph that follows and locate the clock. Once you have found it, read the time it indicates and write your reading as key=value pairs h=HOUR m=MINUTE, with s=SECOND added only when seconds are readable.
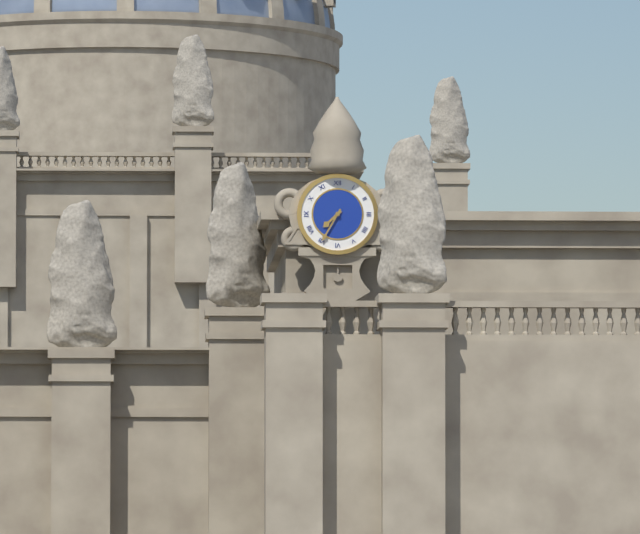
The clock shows h=7 m=35
